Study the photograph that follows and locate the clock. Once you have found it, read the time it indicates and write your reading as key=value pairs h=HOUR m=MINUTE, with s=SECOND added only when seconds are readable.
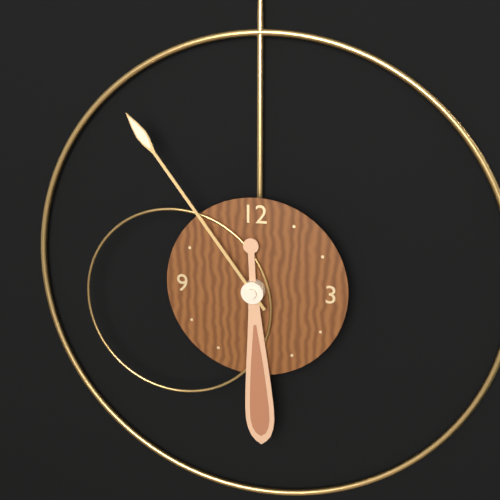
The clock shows h=5 m=54
